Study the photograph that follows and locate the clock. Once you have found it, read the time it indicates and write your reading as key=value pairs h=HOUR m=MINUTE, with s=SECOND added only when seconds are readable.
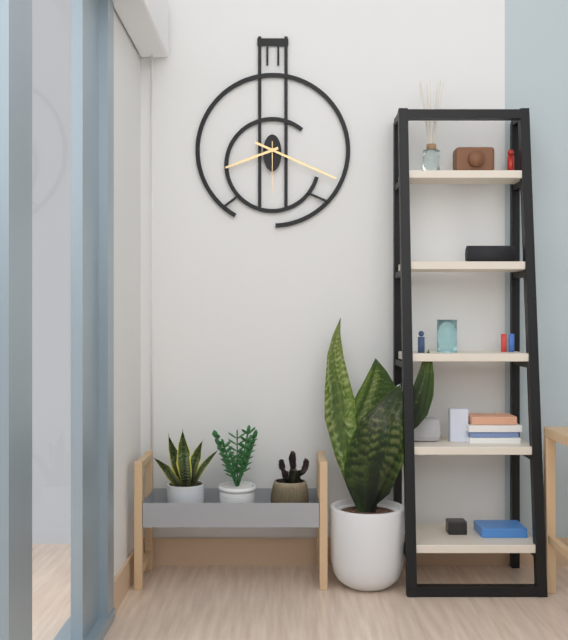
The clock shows h=8 m=19 s=30
